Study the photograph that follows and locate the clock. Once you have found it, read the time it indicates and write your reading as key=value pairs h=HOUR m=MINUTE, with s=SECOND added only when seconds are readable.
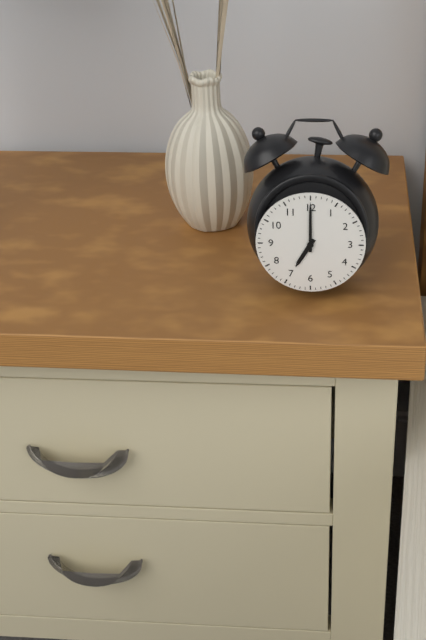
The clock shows h=7 m=0
